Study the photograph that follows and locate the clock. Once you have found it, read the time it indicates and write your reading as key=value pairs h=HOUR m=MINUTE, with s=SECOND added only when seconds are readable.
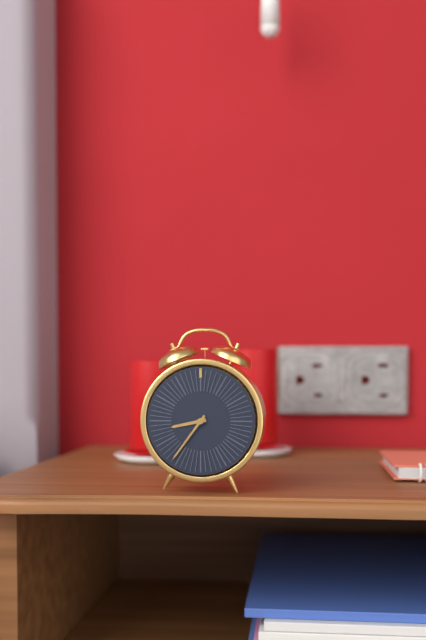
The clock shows h=8 m=36
